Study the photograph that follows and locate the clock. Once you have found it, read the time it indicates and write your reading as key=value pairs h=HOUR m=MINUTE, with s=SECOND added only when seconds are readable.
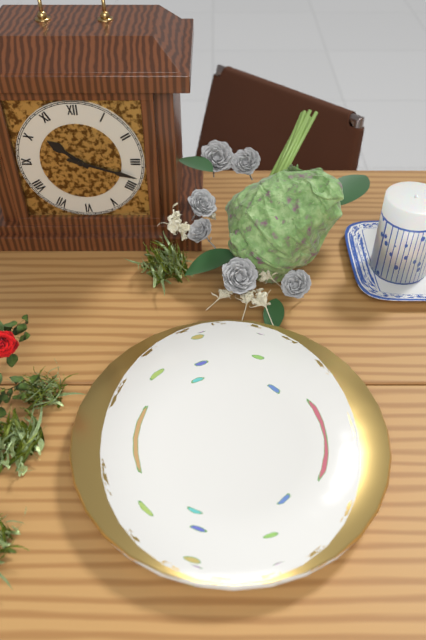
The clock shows h=10 m=18
